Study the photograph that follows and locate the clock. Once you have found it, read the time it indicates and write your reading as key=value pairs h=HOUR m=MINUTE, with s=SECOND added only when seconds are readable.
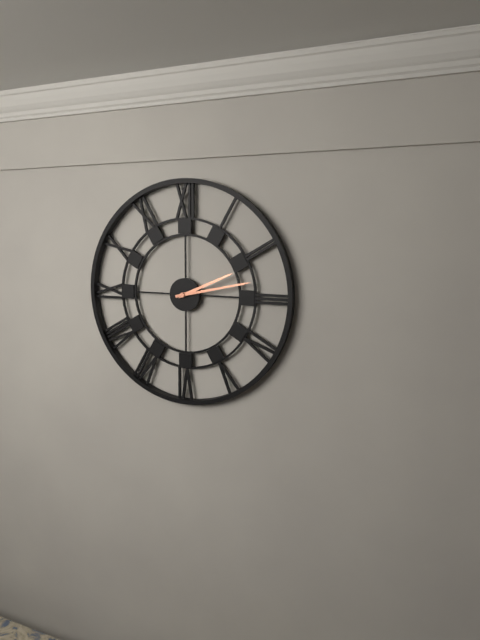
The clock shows h=2 m=13
